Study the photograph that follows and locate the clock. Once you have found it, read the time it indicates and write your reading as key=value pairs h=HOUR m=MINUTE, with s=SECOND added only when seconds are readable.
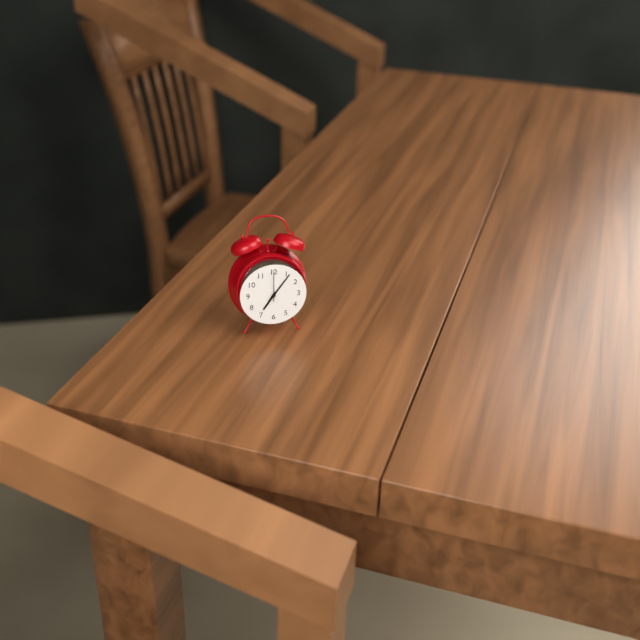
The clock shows h=7 m=6
